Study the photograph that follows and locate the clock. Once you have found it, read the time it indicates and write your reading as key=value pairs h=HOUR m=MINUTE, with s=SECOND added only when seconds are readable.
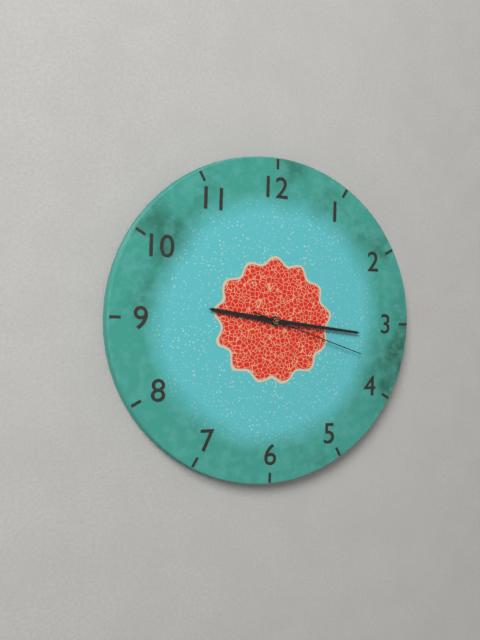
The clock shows h=9 m=16 s=18
